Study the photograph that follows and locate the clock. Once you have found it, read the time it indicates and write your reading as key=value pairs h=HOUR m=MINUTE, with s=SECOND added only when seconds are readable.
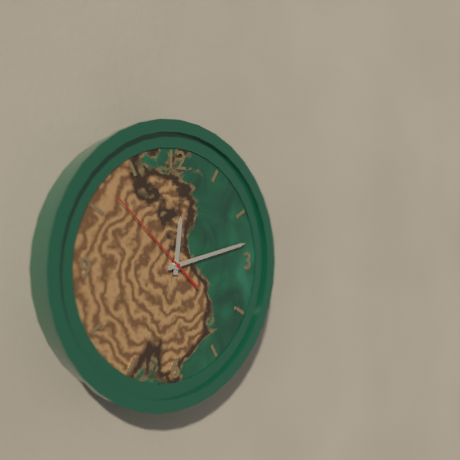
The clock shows h=12 m=13 s=52
